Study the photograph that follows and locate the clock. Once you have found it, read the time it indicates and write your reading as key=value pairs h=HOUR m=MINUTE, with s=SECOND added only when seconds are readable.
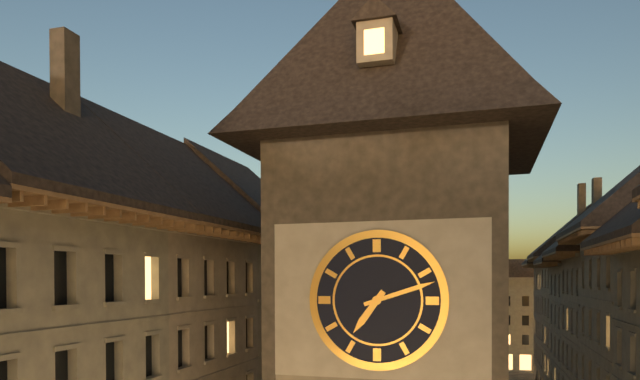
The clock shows h=7 m=12
